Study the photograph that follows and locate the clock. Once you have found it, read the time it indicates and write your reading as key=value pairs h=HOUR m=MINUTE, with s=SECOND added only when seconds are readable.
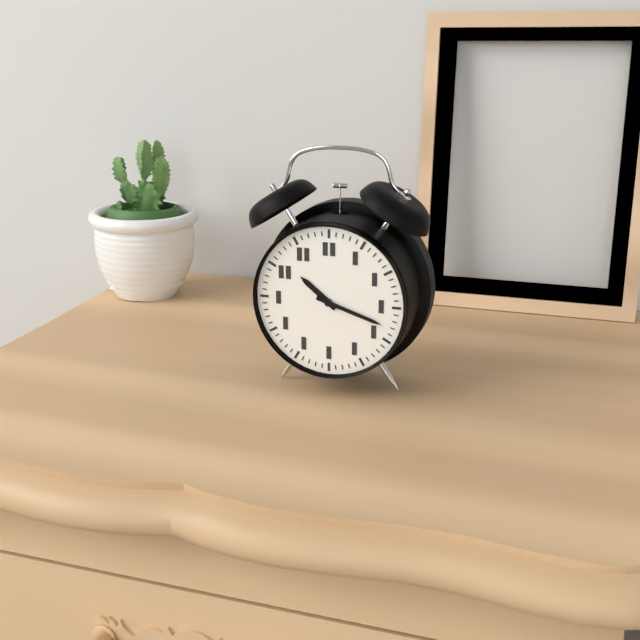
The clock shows h=10 m=18
